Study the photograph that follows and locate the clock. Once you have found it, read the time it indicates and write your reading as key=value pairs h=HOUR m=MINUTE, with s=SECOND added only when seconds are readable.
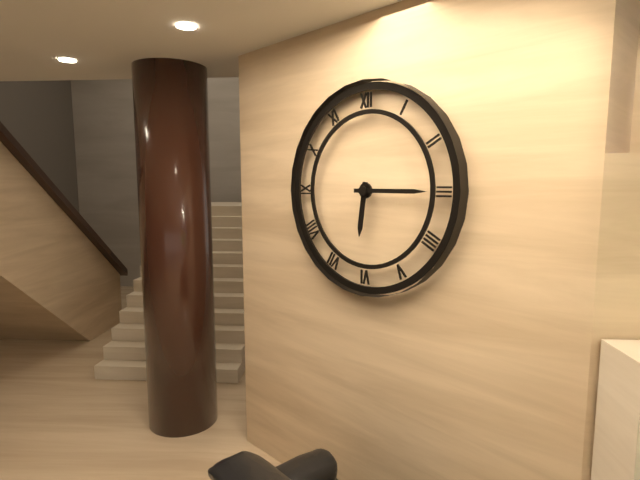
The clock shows h=6 m=15
